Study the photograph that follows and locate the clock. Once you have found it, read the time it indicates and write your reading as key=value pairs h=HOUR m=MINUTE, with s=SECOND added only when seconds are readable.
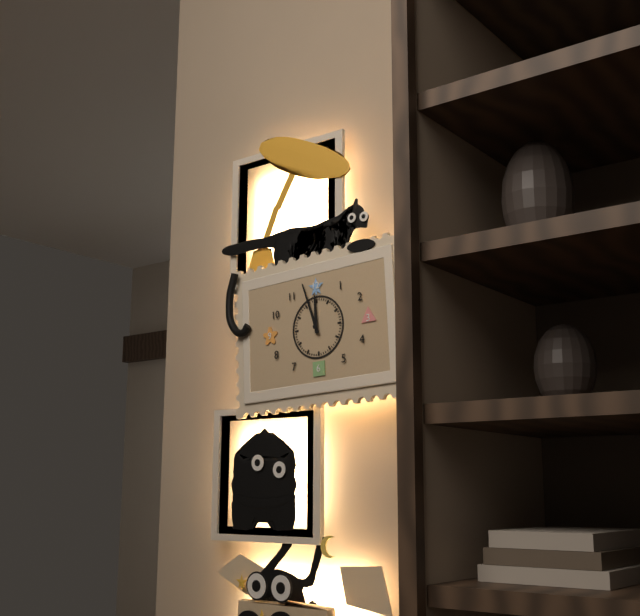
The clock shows h=11 m=57
